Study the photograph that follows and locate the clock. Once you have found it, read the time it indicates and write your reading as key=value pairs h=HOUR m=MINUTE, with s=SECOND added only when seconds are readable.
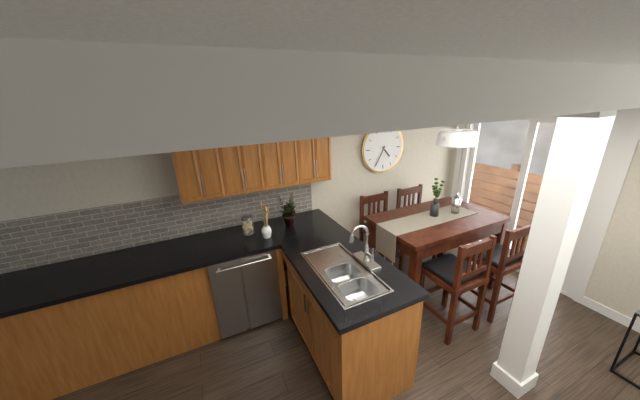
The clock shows h=4 m=35
